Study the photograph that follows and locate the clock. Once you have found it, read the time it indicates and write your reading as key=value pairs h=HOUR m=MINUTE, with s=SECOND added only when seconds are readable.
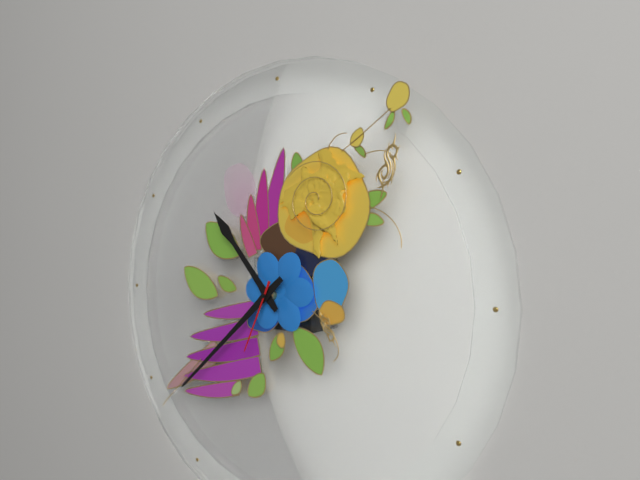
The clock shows h=10 m=38 s=34
